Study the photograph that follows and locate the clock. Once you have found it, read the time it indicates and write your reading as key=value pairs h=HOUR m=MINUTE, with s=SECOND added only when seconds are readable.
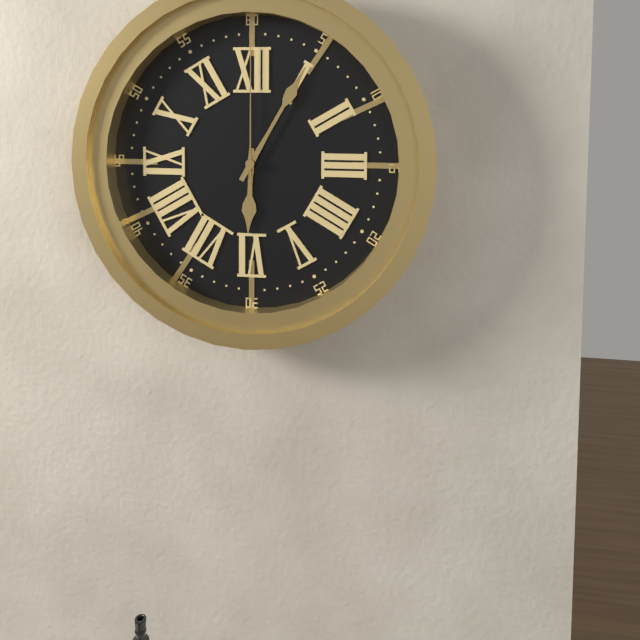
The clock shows h=6 m=5 s=0
